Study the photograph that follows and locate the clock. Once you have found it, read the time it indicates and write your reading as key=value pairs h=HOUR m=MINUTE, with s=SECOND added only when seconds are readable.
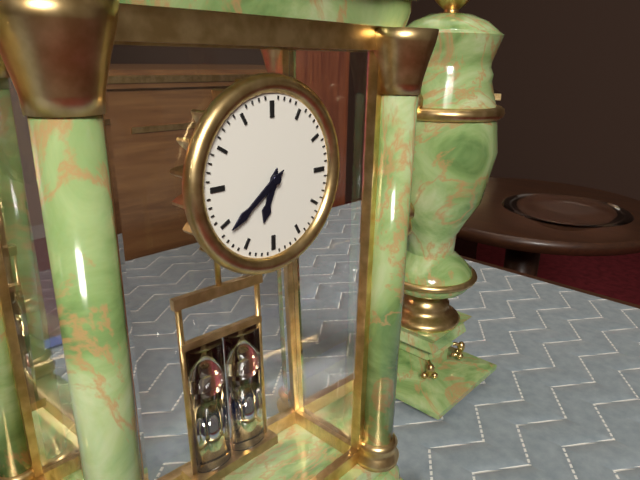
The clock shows h=6 m=39
